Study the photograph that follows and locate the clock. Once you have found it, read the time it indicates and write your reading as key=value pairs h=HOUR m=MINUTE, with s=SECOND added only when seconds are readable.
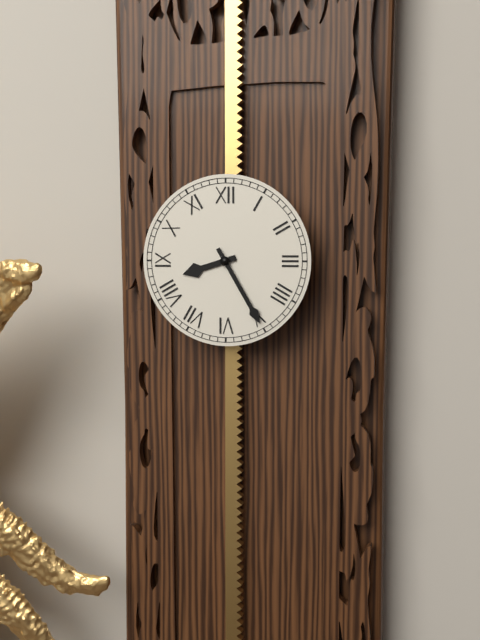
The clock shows h=8 m=25
